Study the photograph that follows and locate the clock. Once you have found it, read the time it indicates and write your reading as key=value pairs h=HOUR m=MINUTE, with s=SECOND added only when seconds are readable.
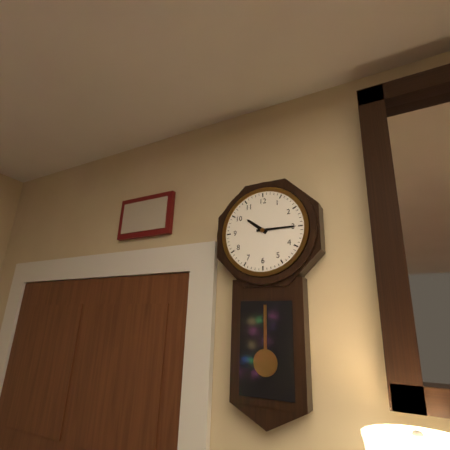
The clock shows h=10 m=15
